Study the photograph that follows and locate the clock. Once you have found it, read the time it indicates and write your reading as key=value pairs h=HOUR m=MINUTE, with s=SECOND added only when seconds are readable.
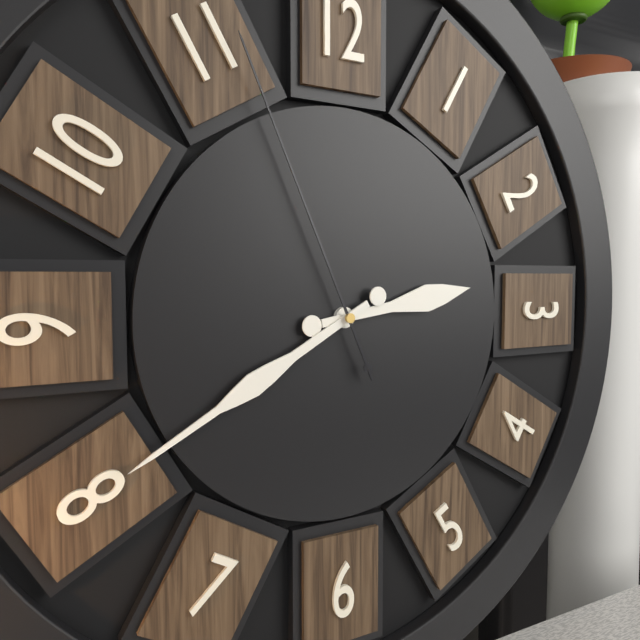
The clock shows h=2 m=40 s=56
